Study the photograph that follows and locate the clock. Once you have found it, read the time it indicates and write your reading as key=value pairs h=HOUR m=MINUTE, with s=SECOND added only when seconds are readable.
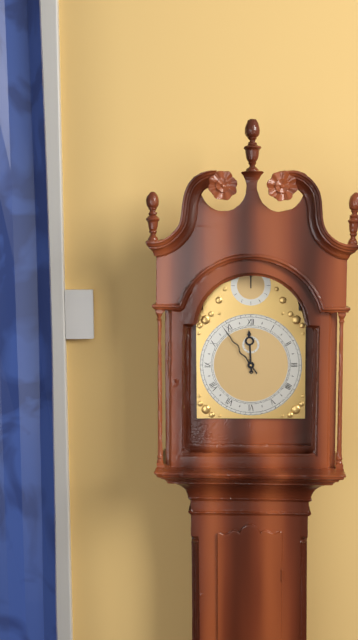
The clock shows h=11 m=54
